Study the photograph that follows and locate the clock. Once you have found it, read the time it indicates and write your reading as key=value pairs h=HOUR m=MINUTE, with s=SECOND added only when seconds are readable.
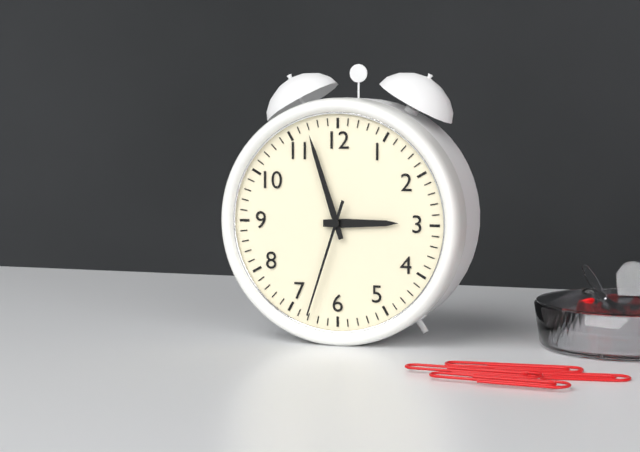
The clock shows h=2 m=57 s=33
